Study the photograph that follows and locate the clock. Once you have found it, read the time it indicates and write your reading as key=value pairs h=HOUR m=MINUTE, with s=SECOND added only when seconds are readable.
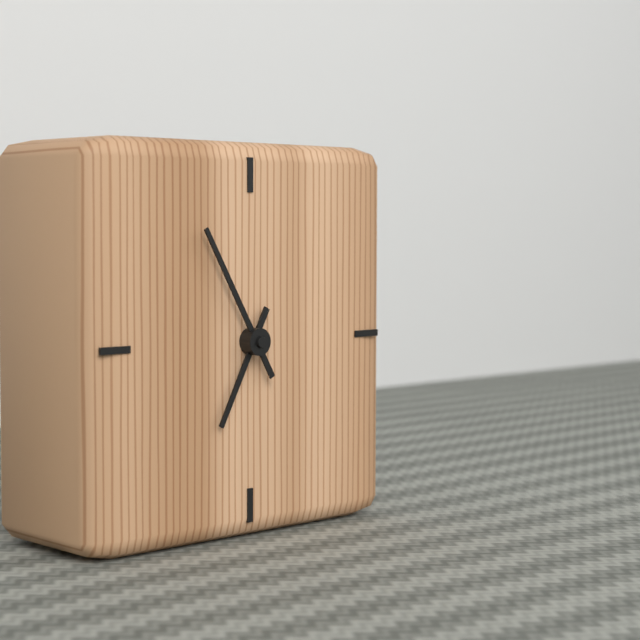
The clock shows h=6 m=55
